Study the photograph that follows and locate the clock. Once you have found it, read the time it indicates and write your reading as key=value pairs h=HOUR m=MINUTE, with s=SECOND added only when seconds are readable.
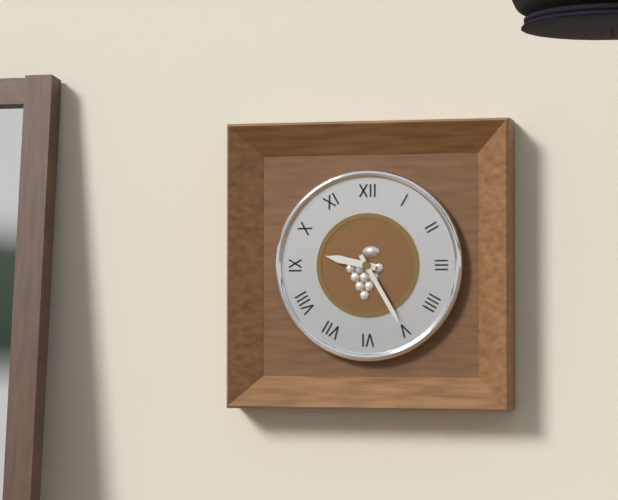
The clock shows h=9 m=25
